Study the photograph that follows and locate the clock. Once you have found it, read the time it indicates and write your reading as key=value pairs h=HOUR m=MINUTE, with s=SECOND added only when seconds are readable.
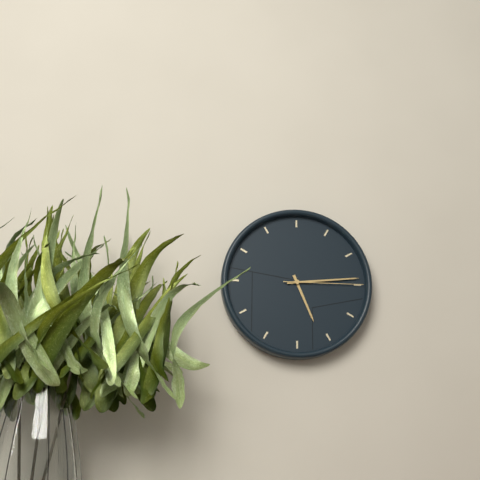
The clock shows h=5 m=14 s=15
